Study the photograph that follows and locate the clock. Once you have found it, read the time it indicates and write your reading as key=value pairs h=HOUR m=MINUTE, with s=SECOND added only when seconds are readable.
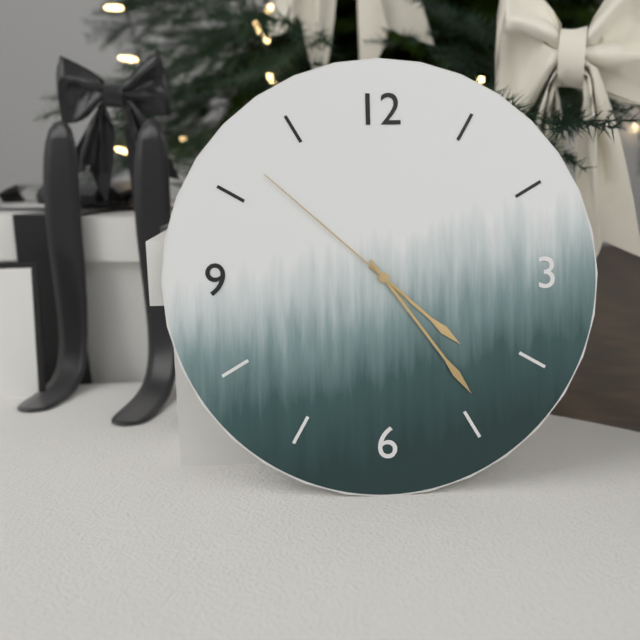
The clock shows h=4 m=24 s=52
